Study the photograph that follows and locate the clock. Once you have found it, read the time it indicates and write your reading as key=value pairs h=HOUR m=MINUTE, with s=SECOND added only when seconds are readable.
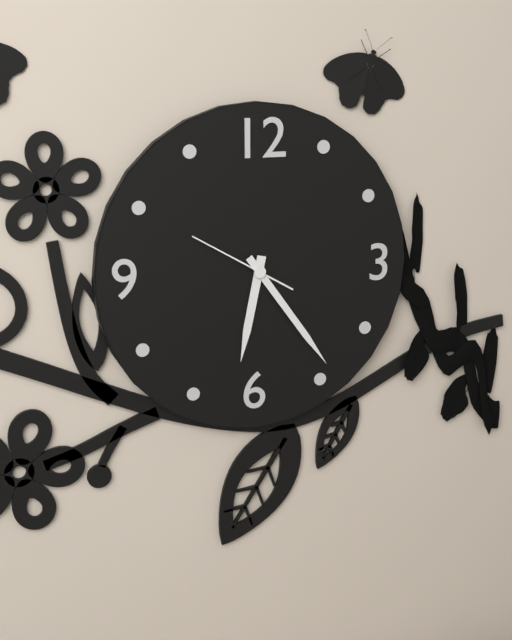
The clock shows h=6 m=24 s=50
